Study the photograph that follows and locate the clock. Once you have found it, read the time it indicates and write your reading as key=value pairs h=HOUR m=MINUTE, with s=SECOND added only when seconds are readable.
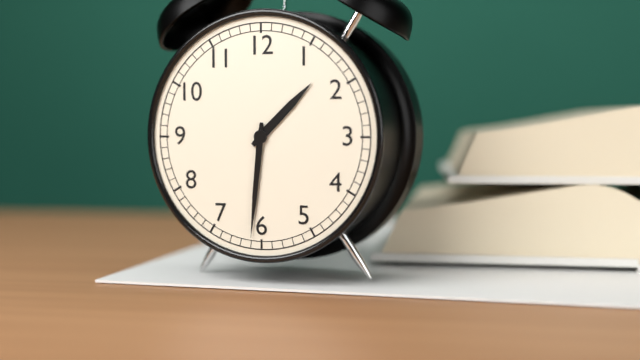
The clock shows h=1 m=31
